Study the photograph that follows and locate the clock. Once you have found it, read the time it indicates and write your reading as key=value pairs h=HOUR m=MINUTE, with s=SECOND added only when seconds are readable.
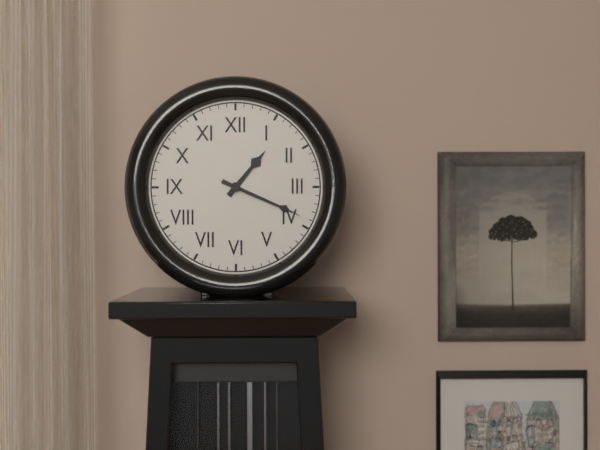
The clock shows h=1 m=19
